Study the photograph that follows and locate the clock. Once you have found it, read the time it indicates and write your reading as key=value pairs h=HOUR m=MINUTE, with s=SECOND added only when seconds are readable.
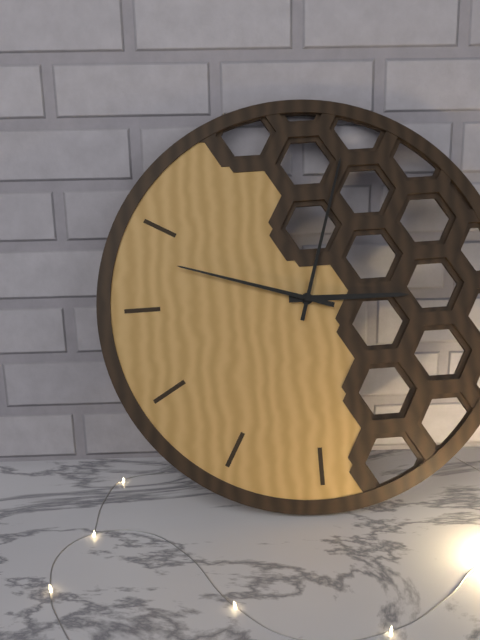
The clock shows h=3 m=3 s=48
